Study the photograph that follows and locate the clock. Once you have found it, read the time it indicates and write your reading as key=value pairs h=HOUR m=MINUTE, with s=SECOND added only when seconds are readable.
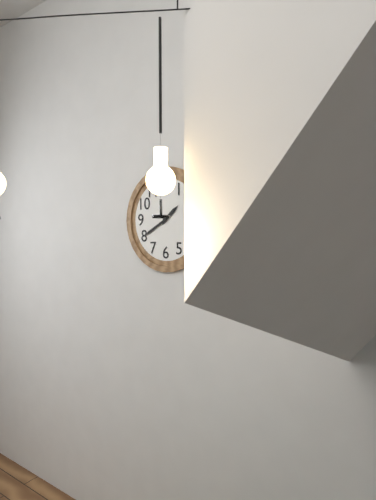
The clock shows h=1 m=40
